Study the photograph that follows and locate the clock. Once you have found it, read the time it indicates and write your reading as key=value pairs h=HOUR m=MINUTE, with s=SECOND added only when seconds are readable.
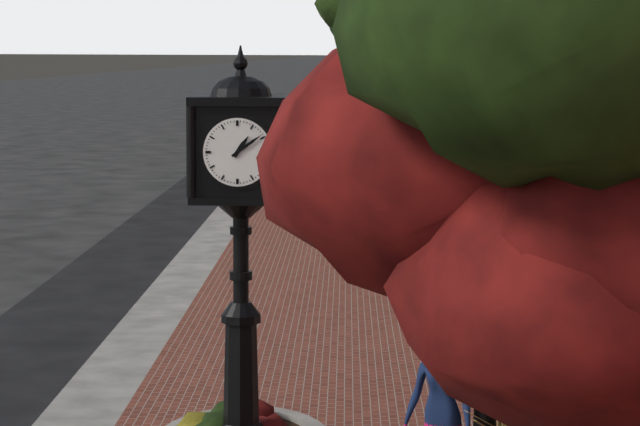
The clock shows h=1 m=9
